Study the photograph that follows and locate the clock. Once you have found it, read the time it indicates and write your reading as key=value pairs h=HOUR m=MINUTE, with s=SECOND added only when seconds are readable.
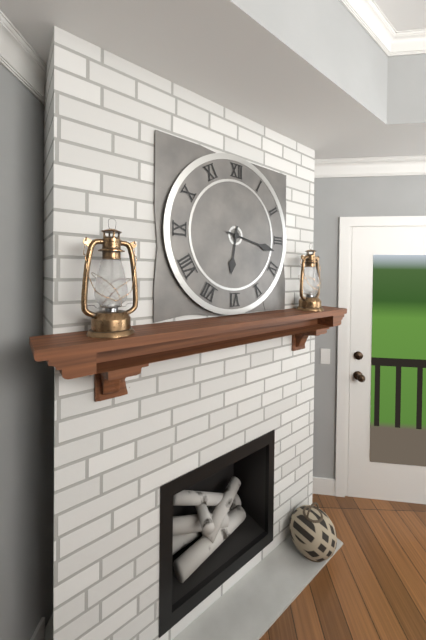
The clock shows h=6 m=17
